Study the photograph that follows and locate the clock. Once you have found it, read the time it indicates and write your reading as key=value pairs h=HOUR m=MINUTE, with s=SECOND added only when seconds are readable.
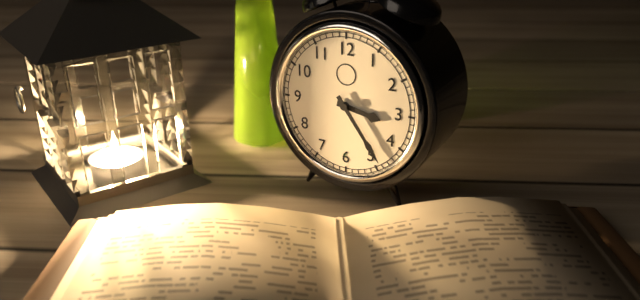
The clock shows h=3 m=24
